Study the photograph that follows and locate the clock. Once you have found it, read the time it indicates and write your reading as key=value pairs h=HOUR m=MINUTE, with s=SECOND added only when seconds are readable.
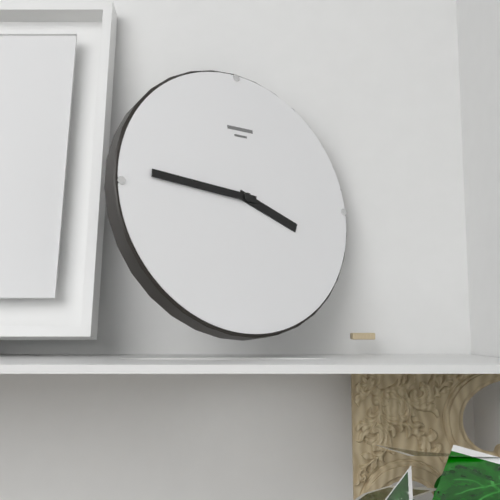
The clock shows h=3 m=46
